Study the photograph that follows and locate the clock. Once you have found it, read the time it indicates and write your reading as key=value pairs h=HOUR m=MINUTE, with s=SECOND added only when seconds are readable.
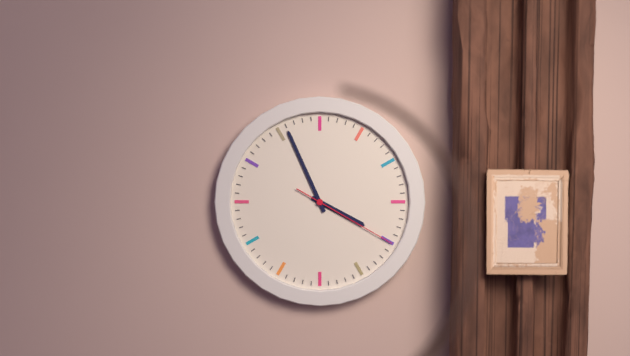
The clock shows h=3 m=56 s=20
